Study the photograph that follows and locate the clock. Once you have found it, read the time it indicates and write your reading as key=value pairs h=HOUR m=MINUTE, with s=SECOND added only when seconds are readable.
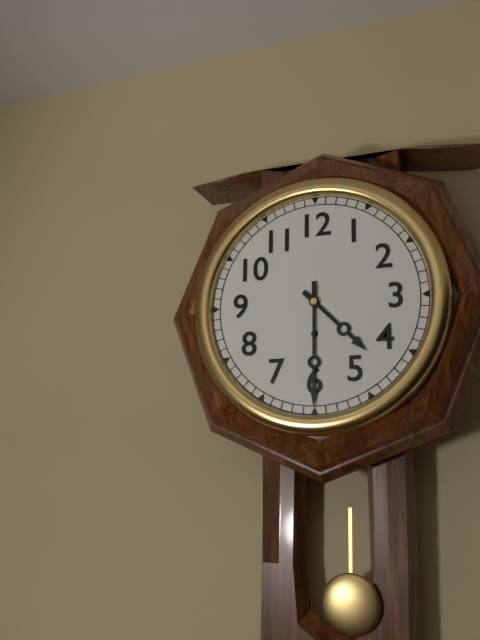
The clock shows h=4 m=30
